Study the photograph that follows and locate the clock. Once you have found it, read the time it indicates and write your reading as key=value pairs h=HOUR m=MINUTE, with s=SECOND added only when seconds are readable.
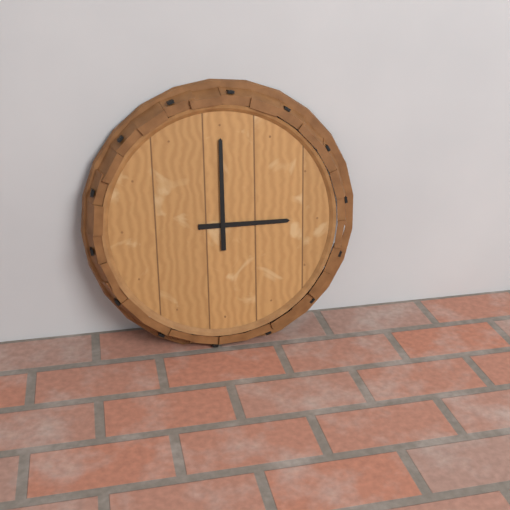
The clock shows h=3 m=0
